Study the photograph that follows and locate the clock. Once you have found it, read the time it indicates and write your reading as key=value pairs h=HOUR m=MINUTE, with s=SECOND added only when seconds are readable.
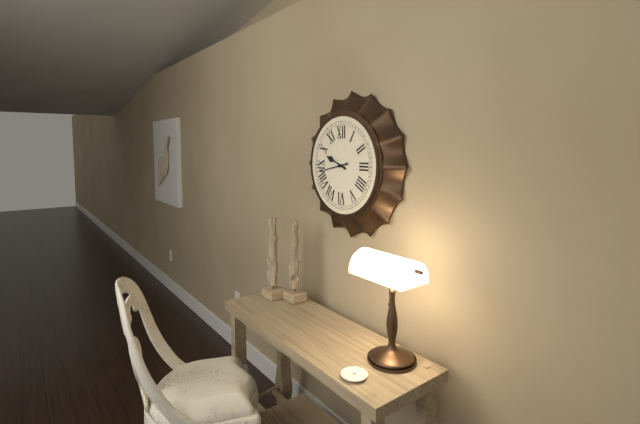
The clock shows h=9 m=43
